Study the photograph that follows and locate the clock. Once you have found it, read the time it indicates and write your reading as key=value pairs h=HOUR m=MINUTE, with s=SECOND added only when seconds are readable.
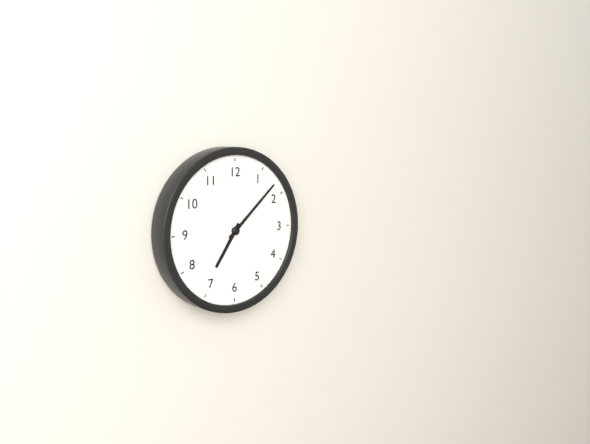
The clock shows h=7 m=8
